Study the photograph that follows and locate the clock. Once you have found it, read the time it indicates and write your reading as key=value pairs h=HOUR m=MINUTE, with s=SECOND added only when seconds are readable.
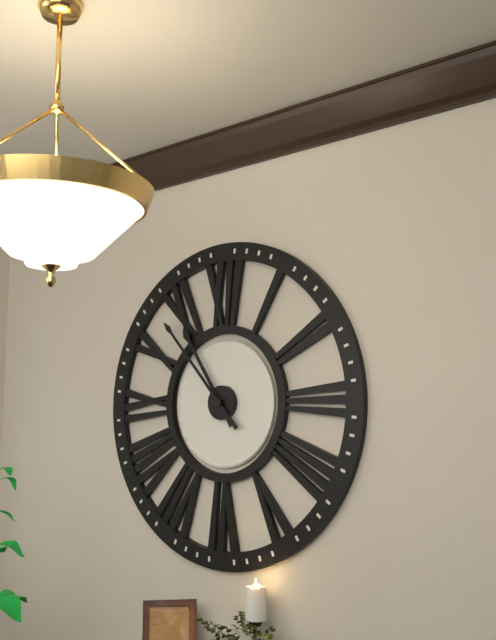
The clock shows h=10 m=53
